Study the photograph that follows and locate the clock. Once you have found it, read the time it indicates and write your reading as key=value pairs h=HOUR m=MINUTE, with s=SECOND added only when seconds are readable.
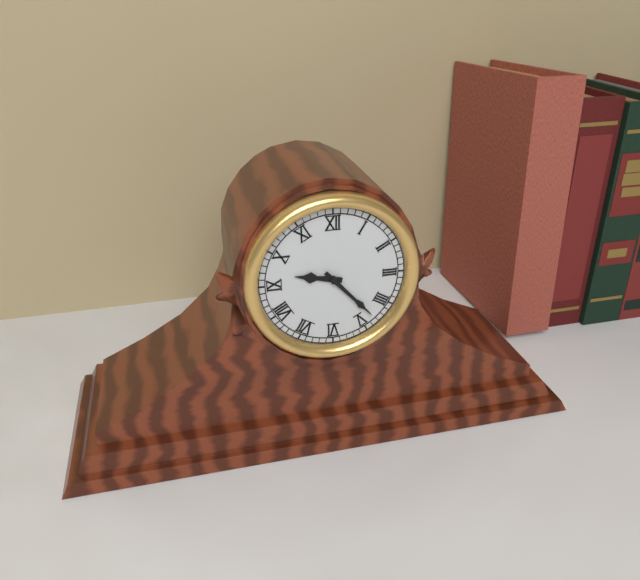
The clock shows h=9 m=23
